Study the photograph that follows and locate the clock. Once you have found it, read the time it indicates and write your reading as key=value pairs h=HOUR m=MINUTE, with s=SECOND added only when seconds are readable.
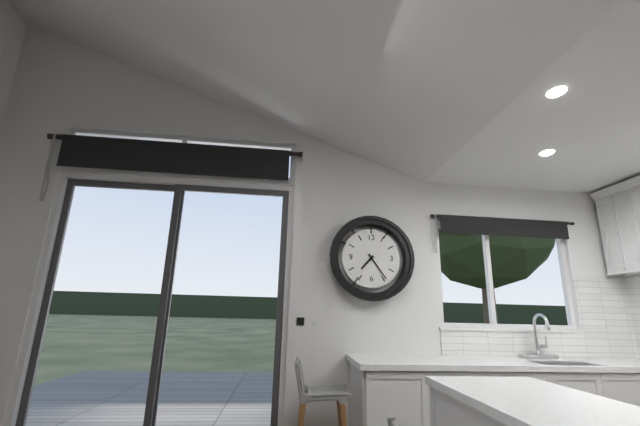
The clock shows h=7 m=24
